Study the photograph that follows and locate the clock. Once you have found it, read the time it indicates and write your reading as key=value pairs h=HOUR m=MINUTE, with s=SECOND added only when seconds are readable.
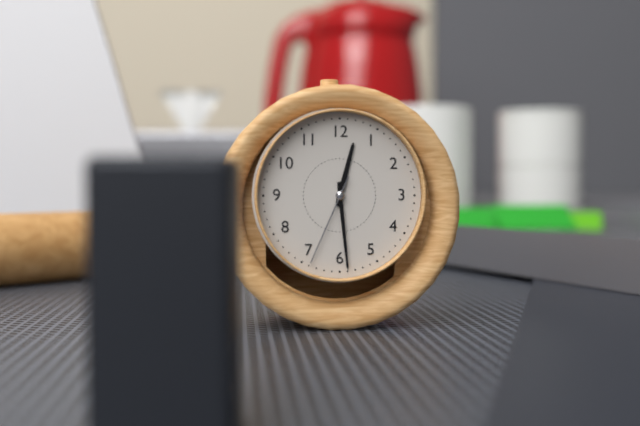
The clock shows h=12 m=29 s=34
